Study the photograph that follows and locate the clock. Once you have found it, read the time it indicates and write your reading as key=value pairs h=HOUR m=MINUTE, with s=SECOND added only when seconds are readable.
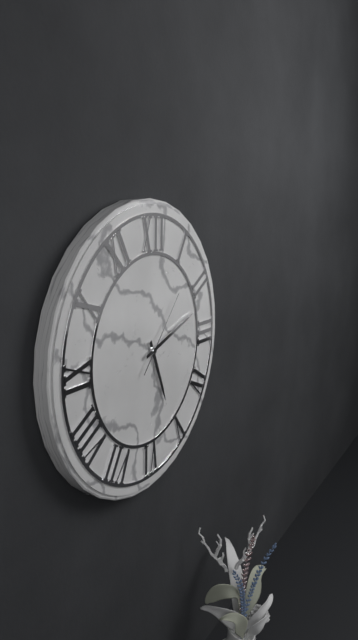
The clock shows h=5 m=12 s=7
